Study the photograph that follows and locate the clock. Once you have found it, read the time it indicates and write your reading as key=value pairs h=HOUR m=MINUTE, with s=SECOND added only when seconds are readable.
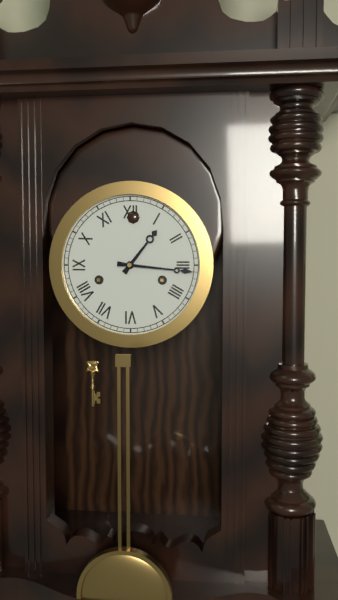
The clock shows h=1 m=16
